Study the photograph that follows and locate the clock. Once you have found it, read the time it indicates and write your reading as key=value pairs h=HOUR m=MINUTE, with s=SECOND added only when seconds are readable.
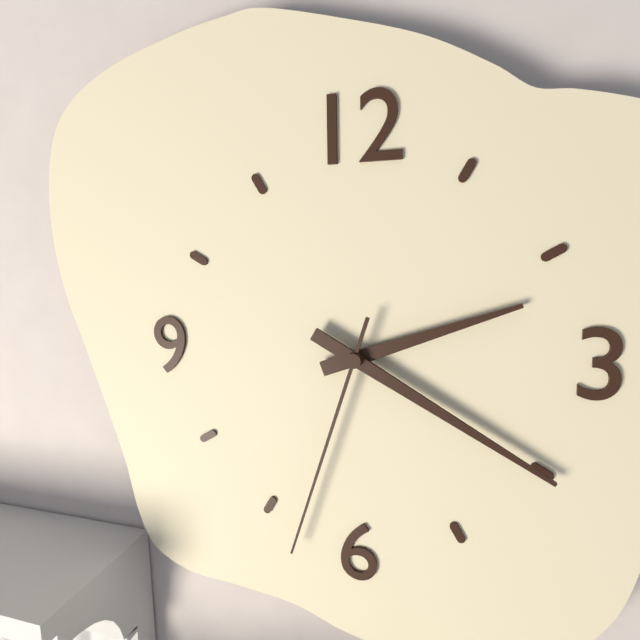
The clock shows h=2 m=20 s=33
